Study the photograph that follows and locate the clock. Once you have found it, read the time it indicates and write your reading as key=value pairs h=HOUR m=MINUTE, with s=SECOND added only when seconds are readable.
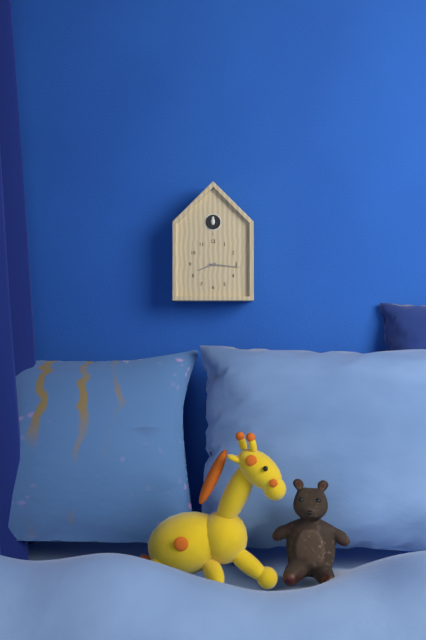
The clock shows h=8 m=16
